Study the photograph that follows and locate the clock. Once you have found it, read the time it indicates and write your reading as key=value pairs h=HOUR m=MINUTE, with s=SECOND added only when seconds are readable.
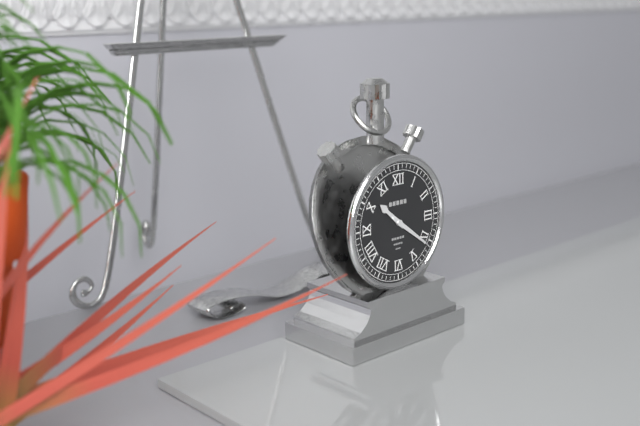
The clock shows h=10 m=21
